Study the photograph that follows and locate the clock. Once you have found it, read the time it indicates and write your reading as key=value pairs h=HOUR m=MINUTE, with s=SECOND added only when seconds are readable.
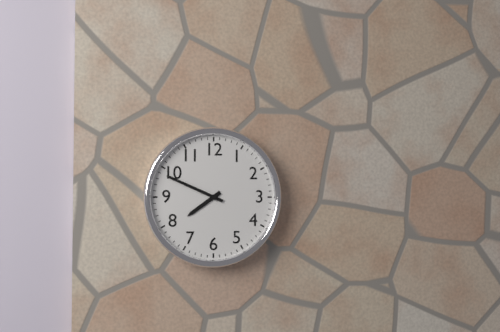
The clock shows h=7 m=49
